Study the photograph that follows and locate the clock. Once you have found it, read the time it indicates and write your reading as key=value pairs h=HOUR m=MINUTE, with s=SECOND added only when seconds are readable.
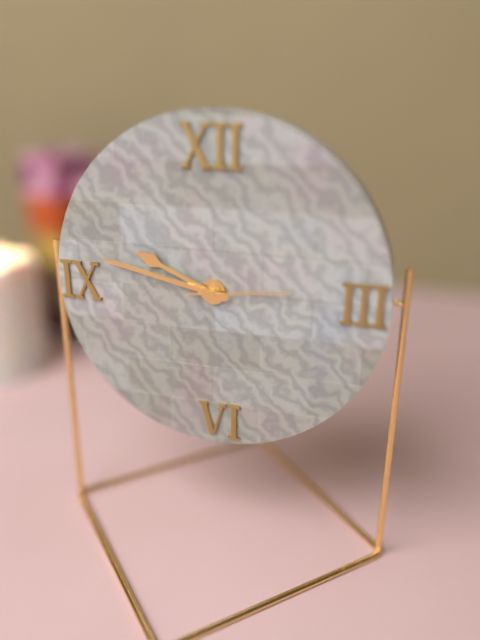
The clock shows h=9 m=47 s=14
